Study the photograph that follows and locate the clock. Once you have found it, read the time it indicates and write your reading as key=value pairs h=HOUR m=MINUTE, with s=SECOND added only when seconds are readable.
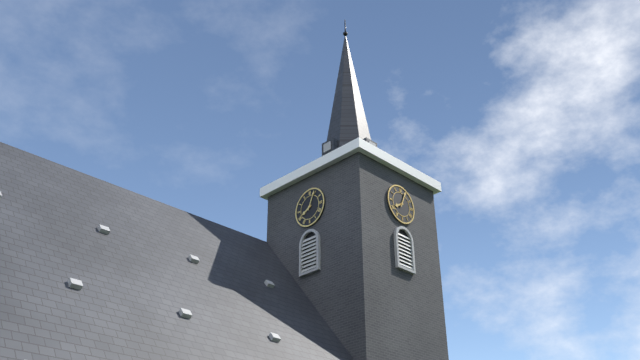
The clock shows h=8 m=4
